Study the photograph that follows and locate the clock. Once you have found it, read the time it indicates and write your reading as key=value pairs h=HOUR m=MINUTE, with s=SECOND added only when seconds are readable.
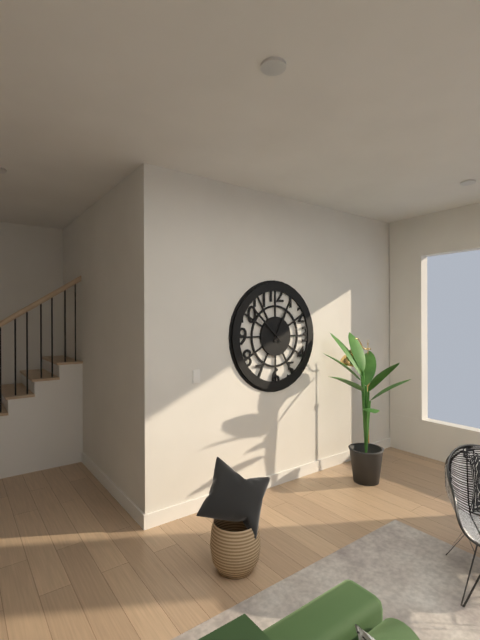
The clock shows h=12 m=52
